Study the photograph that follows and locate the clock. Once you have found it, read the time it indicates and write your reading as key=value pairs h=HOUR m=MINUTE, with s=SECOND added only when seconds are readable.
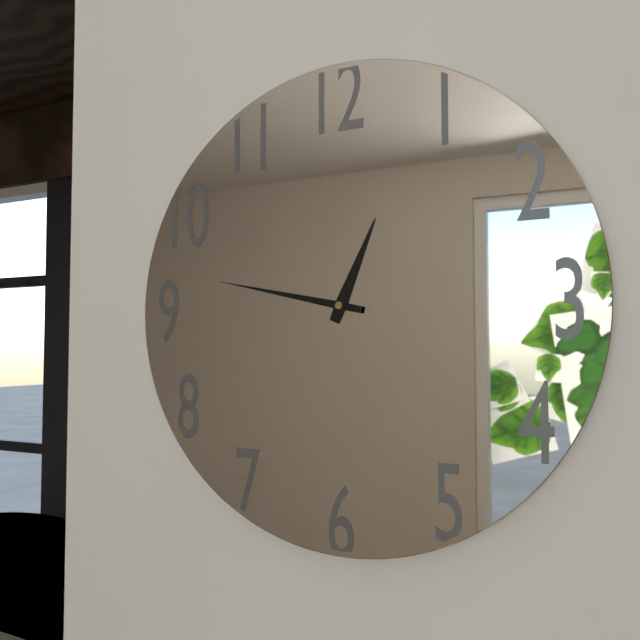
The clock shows h=12 m=47
